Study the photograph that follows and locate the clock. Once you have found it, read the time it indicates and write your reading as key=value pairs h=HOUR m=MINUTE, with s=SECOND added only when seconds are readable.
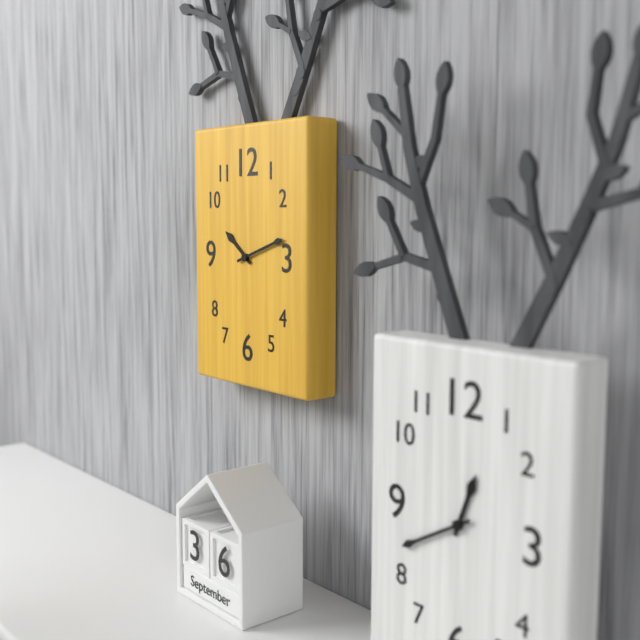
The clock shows h=10 m=12
